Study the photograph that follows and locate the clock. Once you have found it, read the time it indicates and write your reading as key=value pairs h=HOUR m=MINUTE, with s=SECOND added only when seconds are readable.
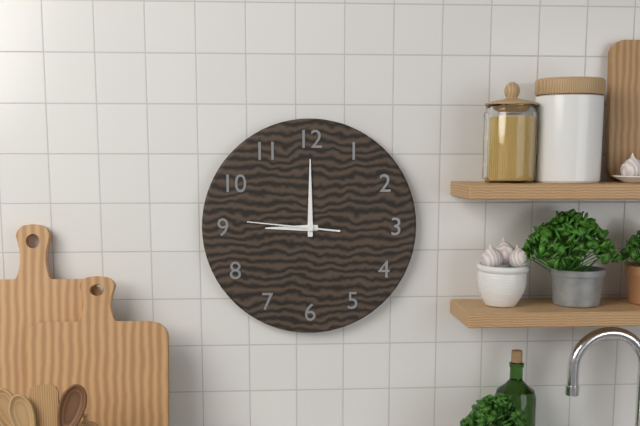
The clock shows h=9 m=0 s=46
